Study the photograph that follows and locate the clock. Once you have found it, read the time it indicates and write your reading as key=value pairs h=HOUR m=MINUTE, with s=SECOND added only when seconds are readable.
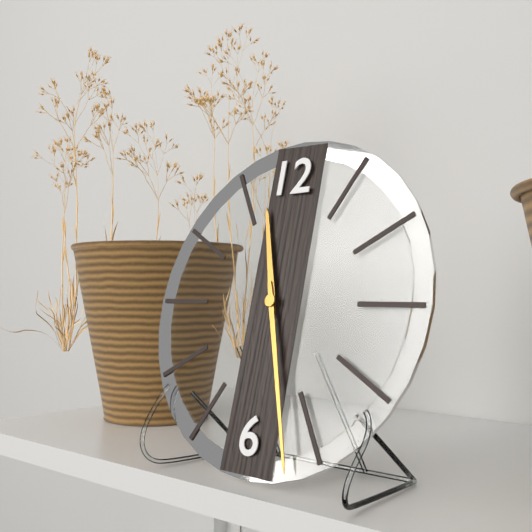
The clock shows h=11 m=27
